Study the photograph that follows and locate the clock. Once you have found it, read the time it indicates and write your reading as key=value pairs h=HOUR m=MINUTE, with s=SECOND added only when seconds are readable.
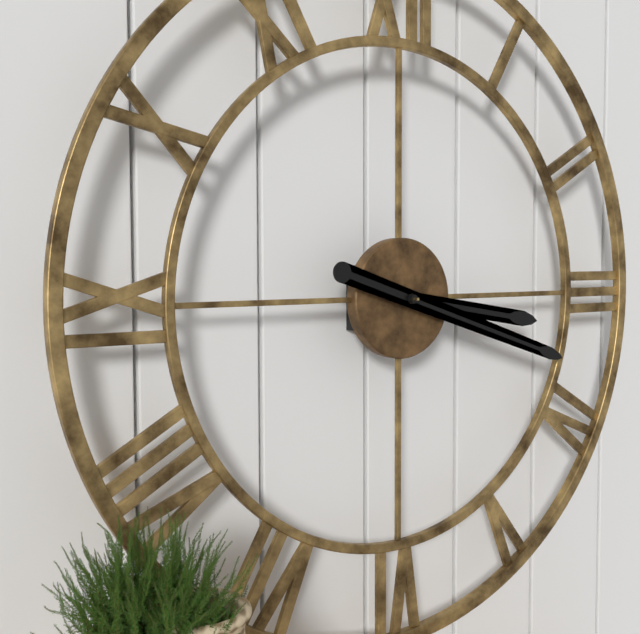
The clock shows h=3 m=18
